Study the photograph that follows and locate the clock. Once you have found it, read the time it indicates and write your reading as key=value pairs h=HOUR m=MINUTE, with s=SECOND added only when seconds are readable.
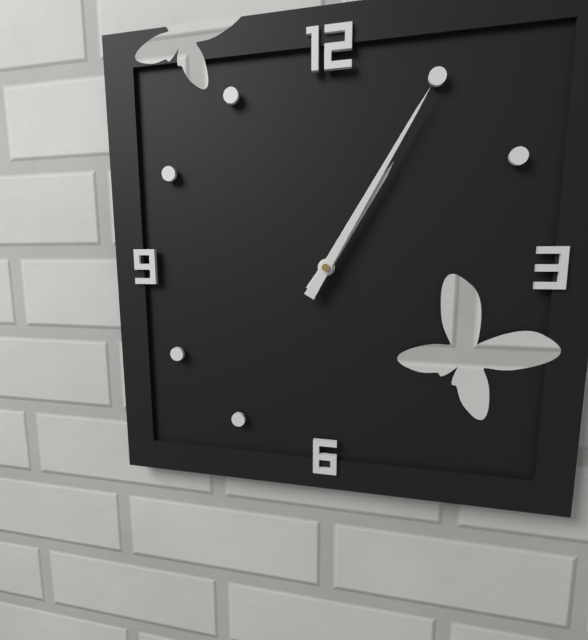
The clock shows h=1 m=5
